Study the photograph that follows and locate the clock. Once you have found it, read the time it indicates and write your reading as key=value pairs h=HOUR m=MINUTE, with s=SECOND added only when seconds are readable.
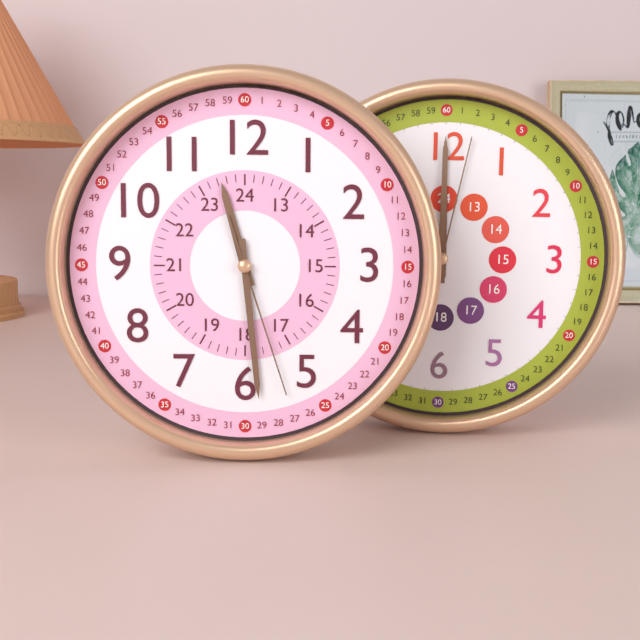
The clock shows h=11 m=29 s=27
